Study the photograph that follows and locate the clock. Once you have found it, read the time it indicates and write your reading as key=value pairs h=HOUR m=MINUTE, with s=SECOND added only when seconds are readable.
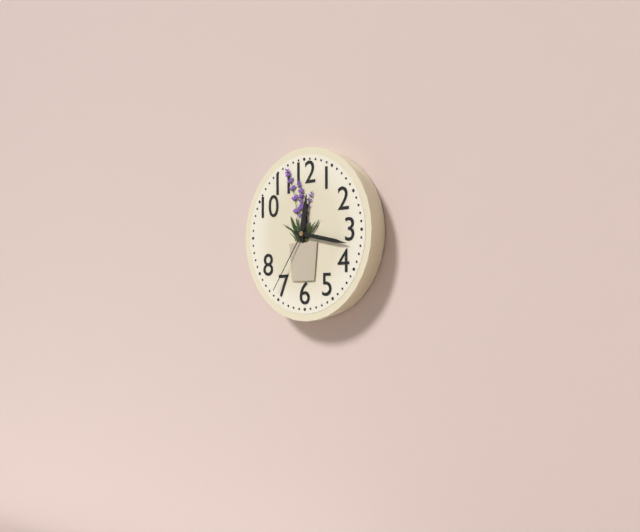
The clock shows h=12 m=17 s=36
